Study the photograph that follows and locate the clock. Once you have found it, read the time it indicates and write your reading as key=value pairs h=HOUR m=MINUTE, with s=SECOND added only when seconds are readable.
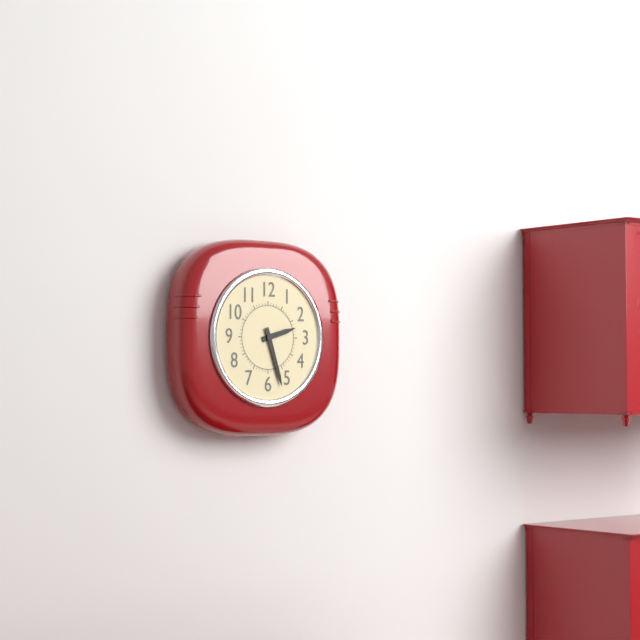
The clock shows h=2 m=27
